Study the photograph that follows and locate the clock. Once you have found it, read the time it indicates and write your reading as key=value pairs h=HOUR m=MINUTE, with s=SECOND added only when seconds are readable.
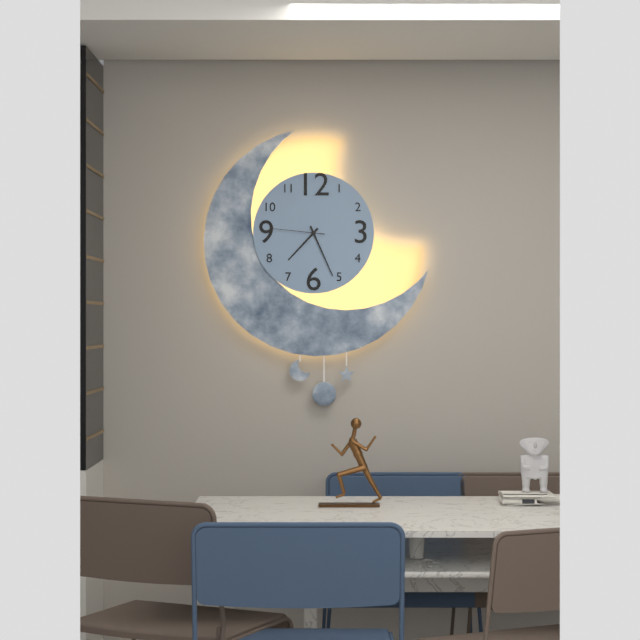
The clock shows h=7 m=26 s=46
